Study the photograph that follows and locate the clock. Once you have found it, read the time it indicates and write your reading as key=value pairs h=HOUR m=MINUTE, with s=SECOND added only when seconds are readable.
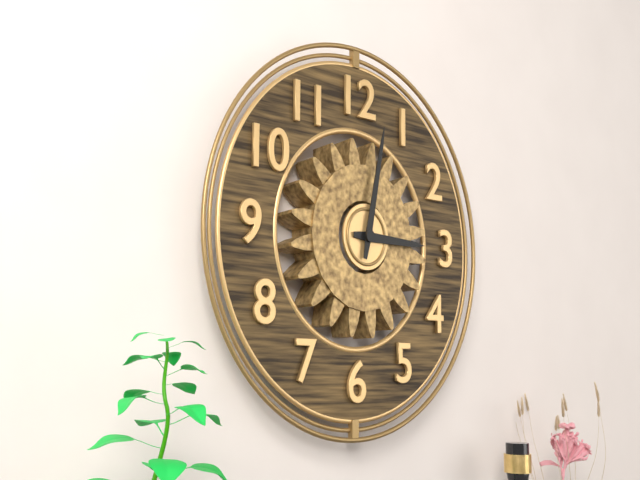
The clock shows h=3 m=2
